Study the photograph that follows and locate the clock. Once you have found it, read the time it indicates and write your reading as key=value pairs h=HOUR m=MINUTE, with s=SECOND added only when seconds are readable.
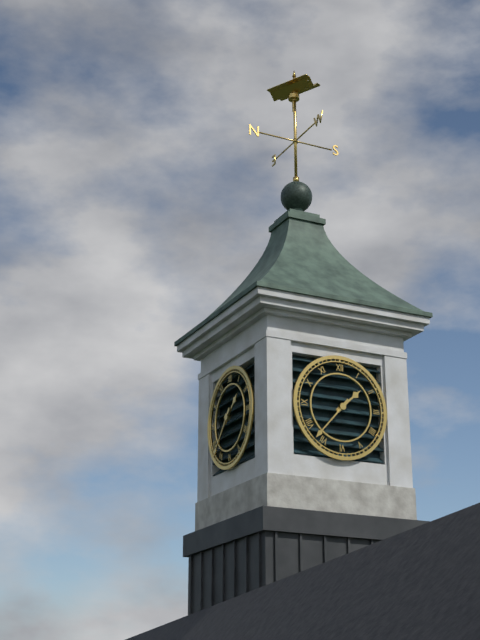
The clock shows h=1 m=37
